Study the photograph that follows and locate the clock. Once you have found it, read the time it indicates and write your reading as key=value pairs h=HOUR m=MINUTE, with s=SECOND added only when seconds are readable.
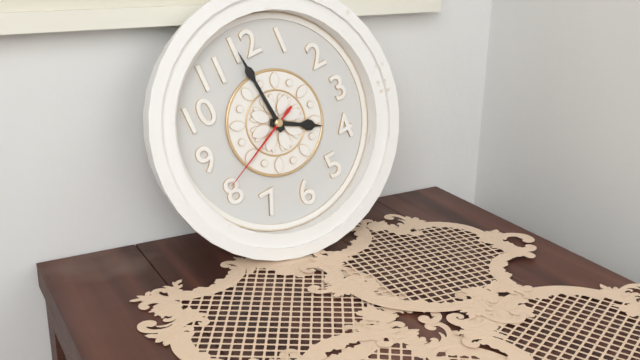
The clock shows h=3 m=59 s=41
